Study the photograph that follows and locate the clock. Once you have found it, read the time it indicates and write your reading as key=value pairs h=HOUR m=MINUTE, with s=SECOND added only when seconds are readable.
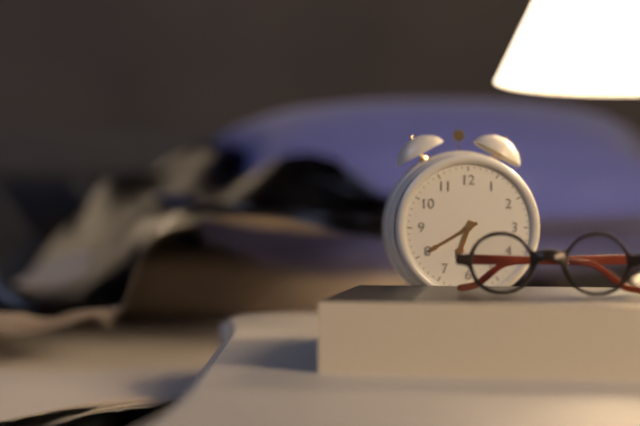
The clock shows h=6 m=40
